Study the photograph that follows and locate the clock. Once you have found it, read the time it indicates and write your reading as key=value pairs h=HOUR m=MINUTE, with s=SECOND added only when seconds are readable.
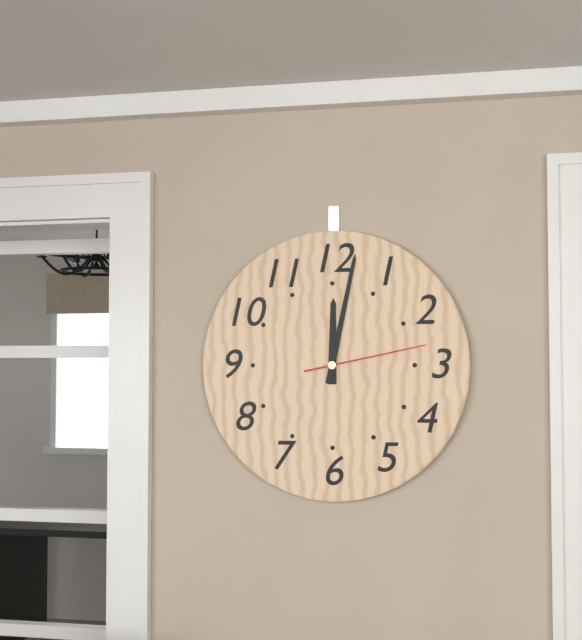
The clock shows h=12 m=2 s=13
